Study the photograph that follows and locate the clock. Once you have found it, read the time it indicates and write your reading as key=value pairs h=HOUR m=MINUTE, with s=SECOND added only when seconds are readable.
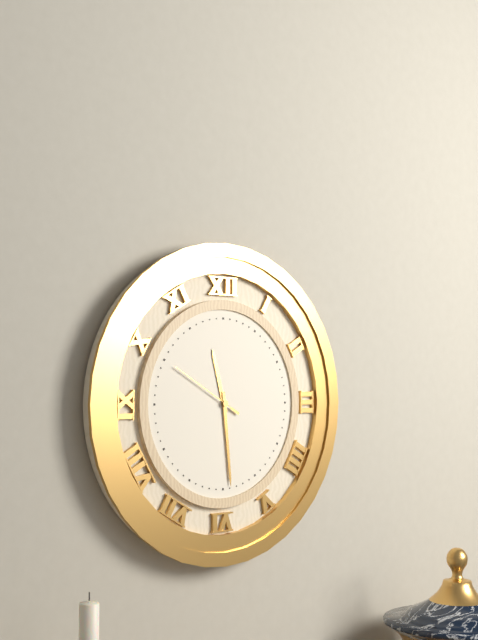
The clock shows h=11 m=29 s=50
